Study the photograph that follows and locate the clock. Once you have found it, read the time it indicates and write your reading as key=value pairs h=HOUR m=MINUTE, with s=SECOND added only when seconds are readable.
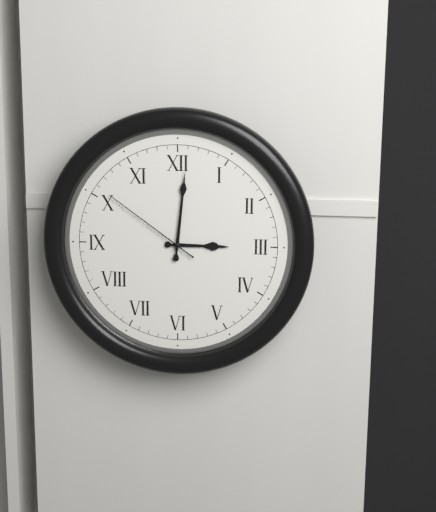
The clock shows h=3 m=1 s=51
